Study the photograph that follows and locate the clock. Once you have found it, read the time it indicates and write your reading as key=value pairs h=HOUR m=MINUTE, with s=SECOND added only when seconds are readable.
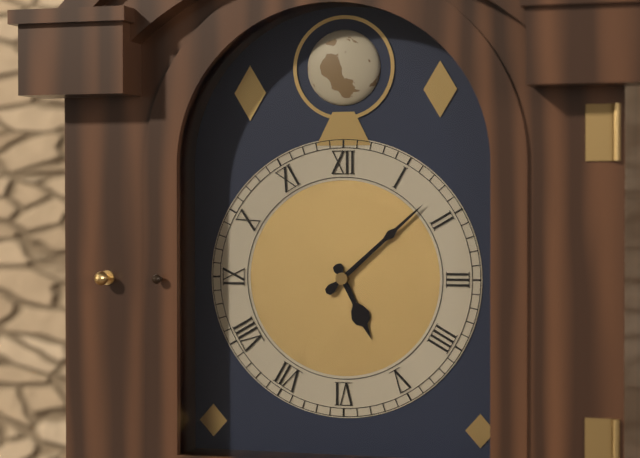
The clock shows h=5 m=8
